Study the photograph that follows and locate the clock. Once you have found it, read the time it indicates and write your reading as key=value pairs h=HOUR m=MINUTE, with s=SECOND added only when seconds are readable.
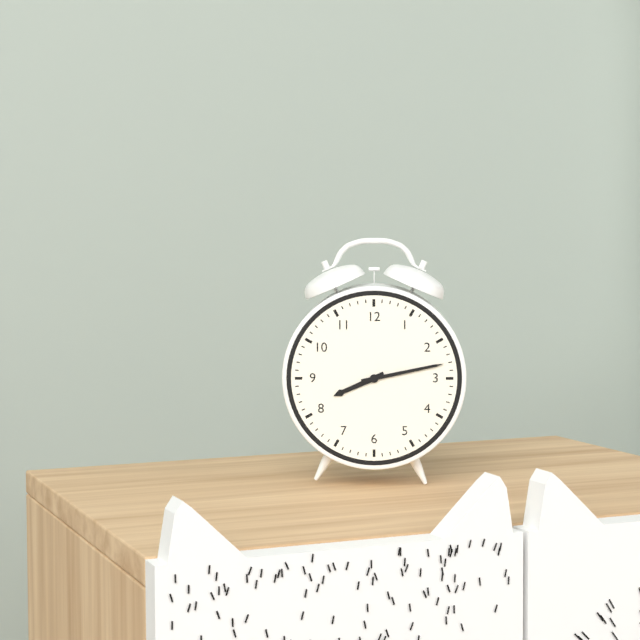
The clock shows h=8 m=13
